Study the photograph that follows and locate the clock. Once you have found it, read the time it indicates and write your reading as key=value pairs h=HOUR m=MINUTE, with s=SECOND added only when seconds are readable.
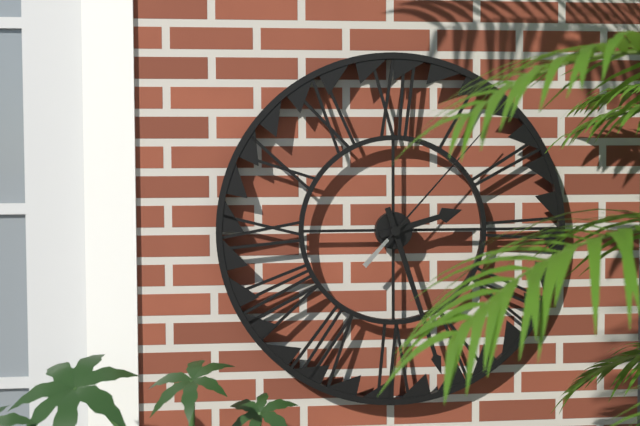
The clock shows h=2 m=27 s=7
